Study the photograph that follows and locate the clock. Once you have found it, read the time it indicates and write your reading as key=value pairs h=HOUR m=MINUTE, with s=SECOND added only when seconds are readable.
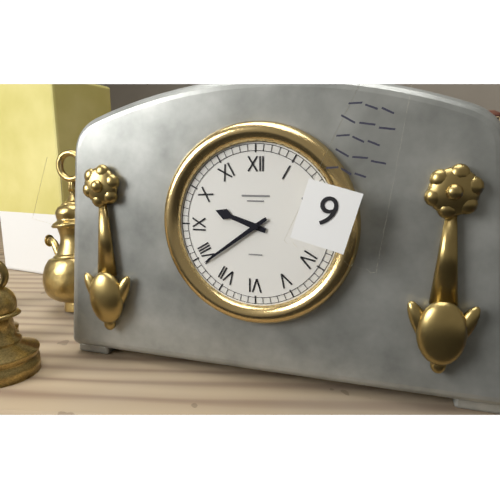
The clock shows h=9 m=39
